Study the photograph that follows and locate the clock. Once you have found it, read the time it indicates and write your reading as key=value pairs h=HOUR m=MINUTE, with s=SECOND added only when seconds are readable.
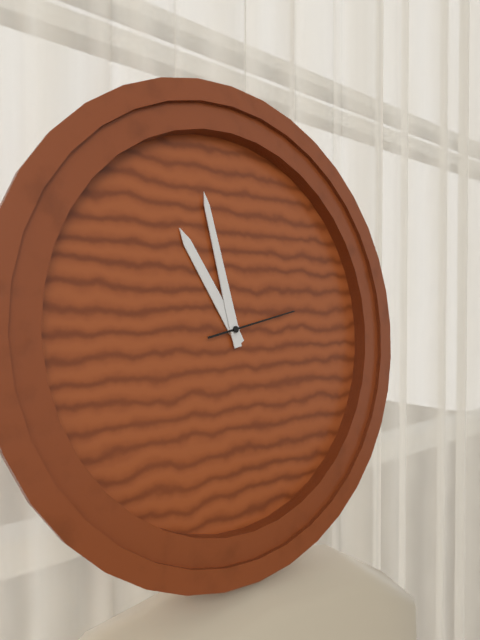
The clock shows h=10 m=58 s=13
